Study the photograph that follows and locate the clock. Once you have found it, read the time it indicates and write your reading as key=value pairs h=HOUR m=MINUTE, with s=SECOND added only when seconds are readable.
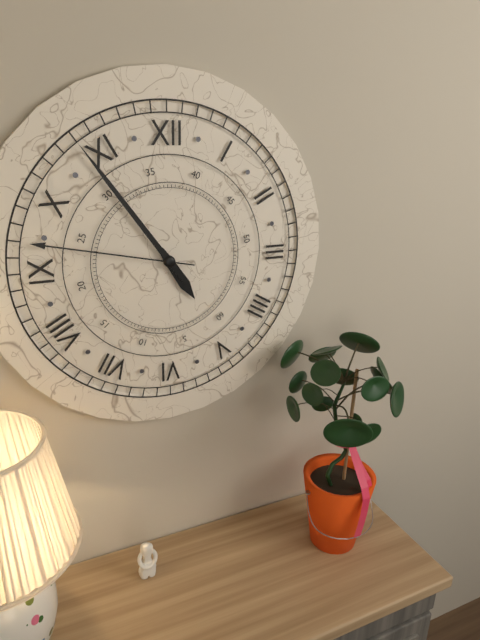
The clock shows h=4 m=54 s=47
